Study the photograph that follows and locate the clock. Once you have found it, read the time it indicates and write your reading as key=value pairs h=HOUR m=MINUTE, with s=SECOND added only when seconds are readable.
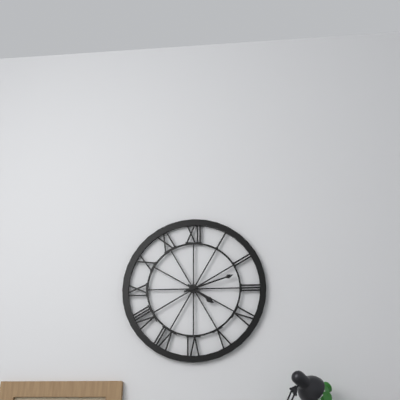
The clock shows h=4 m=12
